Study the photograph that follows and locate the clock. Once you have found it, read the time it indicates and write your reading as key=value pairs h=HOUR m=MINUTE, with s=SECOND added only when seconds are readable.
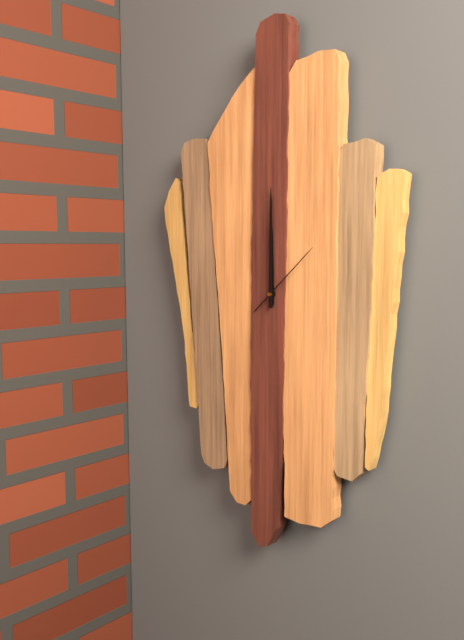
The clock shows h=12 m=0 s=8
